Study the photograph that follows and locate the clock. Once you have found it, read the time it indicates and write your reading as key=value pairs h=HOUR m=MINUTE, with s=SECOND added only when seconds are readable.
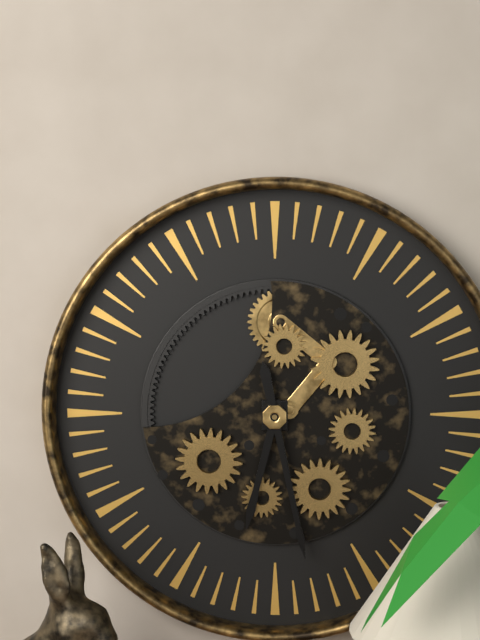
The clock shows h=6 m=28
